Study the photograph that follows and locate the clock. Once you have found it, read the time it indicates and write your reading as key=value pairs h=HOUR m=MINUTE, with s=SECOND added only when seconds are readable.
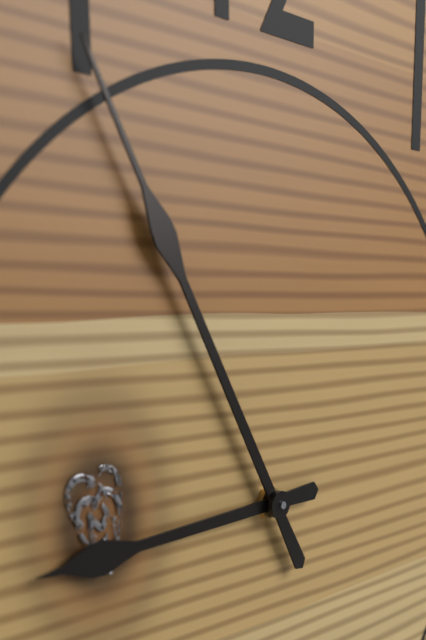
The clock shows h=8 m=55
